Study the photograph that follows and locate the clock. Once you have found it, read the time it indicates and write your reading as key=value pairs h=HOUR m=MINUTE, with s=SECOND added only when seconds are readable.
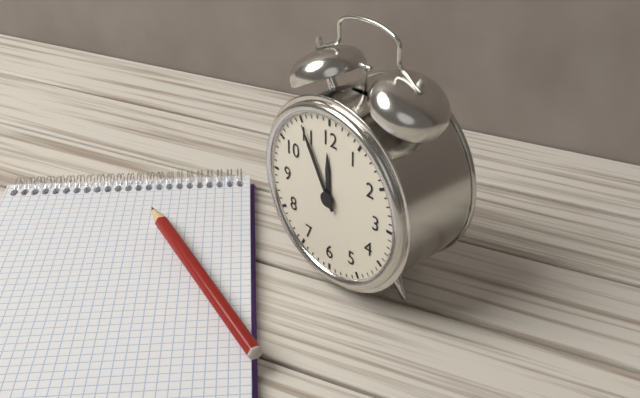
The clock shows h=11 m=55
